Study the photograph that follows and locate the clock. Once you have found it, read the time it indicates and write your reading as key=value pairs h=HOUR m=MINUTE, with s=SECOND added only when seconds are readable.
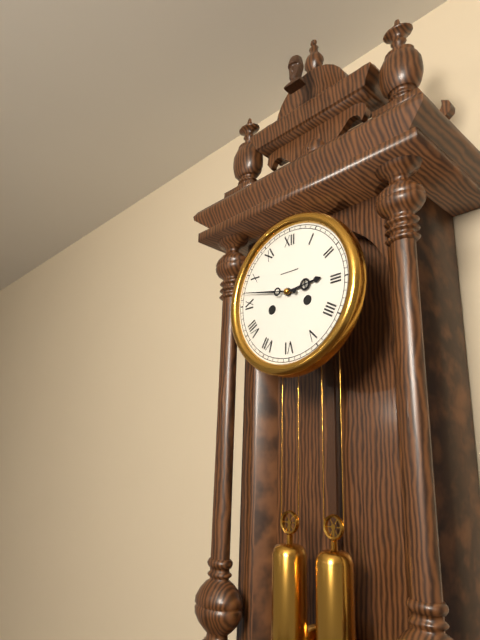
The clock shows h=2 m=47
